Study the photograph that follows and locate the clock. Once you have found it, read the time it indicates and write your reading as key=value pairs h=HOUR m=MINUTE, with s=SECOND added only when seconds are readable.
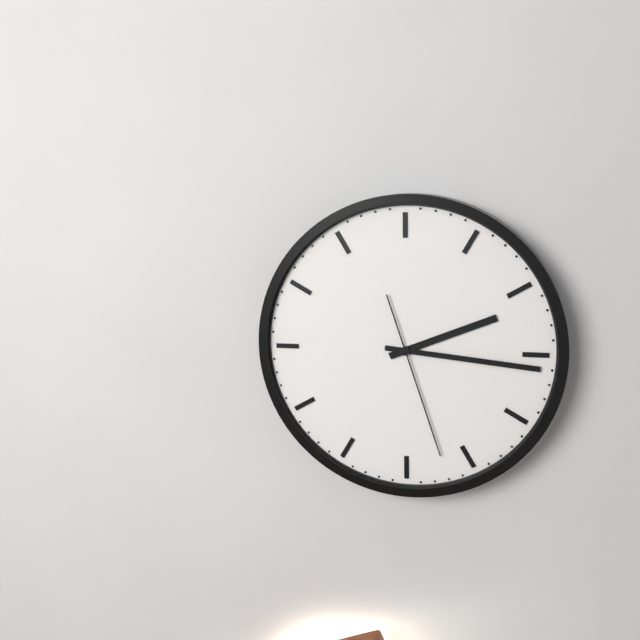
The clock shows h=2 m=16 s=27
